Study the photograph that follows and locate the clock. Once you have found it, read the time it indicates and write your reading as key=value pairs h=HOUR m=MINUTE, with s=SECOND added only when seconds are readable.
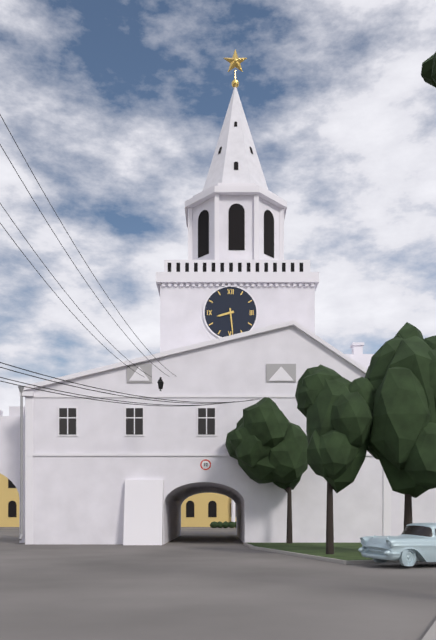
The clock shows h=8 m=29
